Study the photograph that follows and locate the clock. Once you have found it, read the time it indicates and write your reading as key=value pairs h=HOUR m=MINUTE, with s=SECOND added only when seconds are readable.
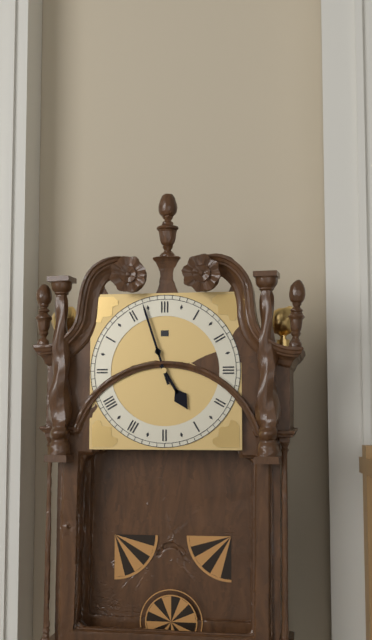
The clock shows h=4 m=57
